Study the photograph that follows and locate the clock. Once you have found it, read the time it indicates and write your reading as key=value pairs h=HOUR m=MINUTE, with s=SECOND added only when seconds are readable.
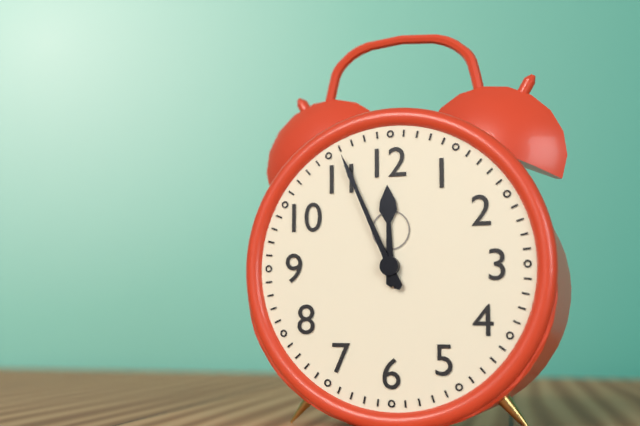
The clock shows h=11 m=56
